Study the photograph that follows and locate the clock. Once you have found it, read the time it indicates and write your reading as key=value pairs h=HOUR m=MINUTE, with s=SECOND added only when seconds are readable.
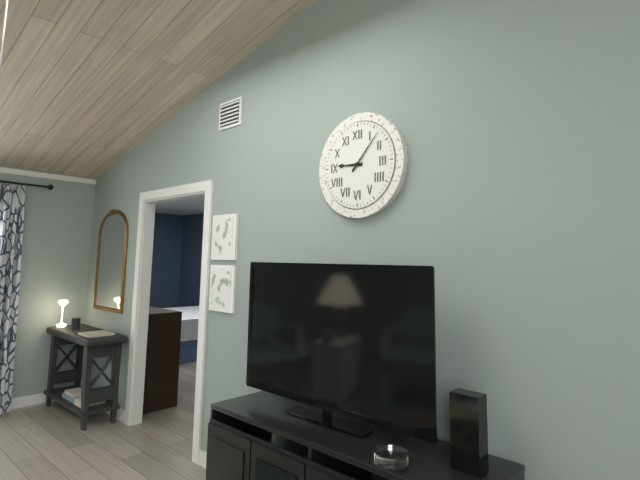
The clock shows h=9 m=7
